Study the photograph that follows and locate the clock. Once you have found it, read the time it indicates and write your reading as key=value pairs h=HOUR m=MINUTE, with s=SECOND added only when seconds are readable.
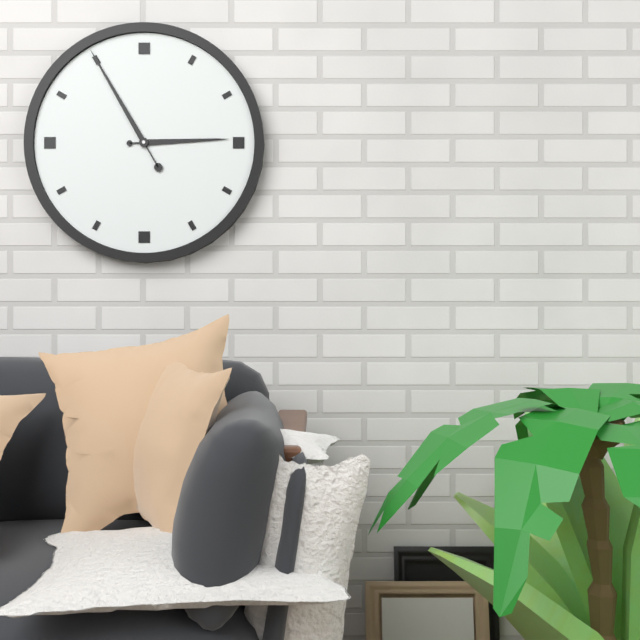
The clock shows h=2 m=55
